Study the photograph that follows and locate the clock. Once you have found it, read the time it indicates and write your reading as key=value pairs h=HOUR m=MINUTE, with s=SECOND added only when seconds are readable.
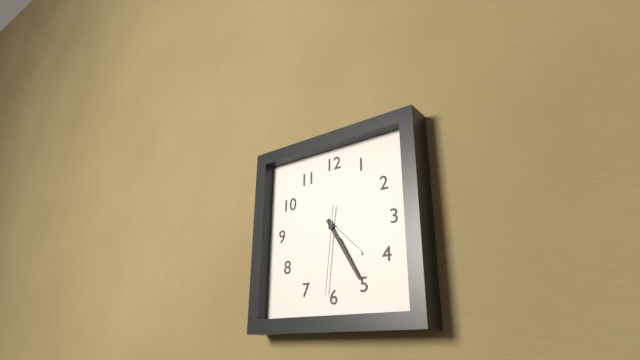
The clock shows h=4 m=25 s=31
